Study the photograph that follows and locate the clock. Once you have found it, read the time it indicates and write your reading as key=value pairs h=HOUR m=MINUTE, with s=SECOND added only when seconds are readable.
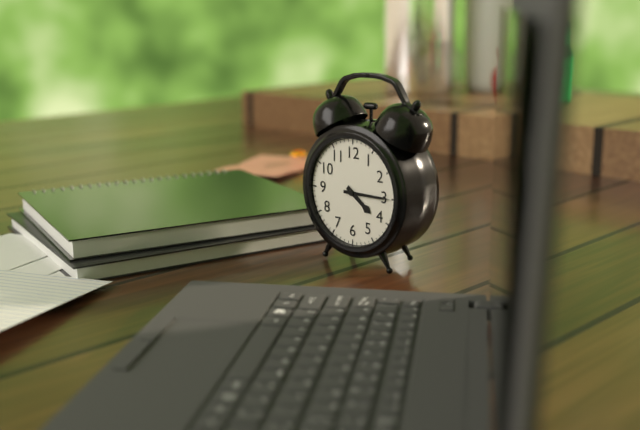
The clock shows h=4 m=15
